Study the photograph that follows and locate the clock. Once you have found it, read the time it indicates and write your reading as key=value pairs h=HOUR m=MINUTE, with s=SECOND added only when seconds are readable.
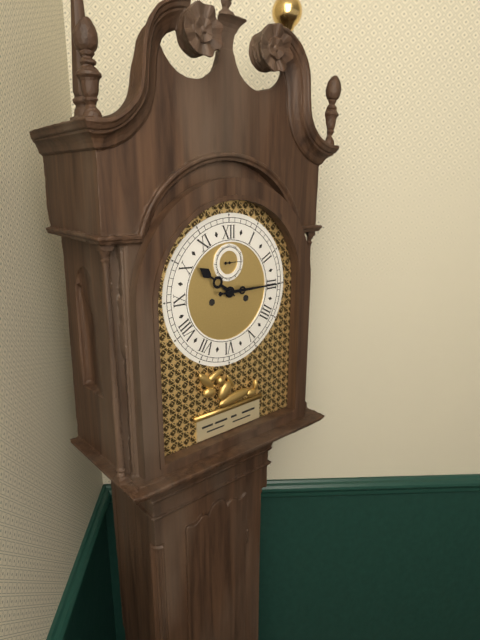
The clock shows h=10 m=15
